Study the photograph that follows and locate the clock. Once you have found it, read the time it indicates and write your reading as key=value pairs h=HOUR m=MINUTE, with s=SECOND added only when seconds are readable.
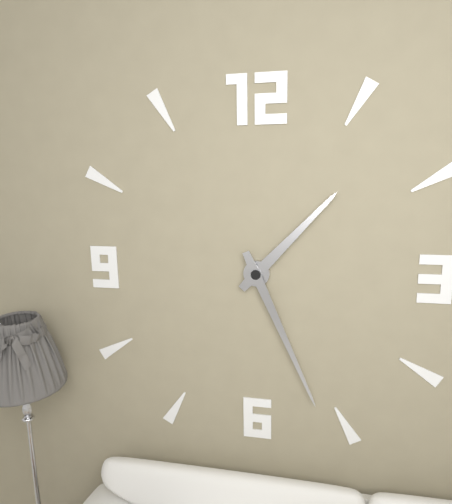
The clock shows h=1 m=26
